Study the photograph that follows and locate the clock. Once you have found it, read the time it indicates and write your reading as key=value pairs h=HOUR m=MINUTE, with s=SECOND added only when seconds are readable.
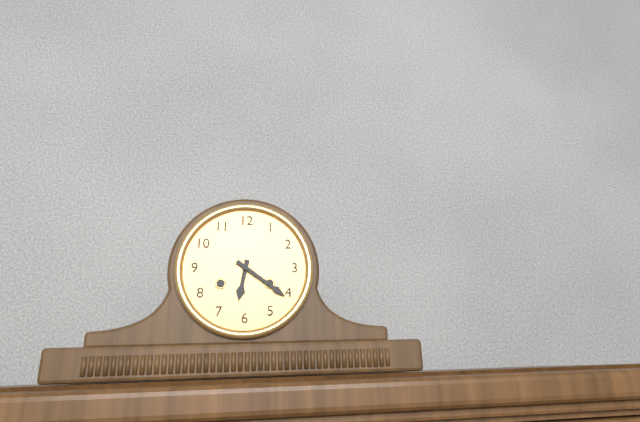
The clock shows h=6 m=21
